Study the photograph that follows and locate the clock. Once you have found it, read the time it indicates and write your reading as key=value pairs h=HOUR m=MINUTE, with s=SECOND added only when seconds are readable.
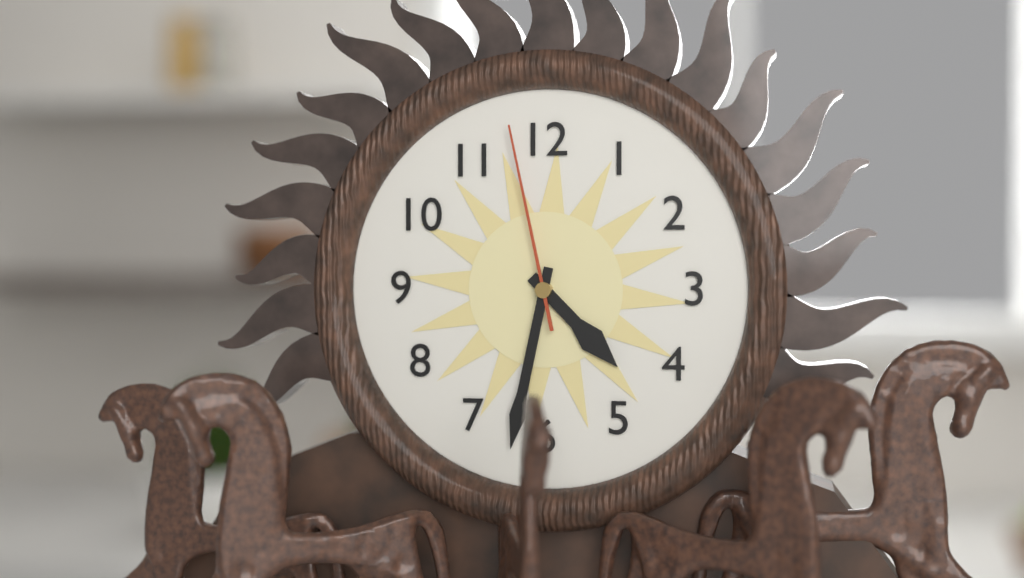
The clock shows h=4 m=32 s=58
